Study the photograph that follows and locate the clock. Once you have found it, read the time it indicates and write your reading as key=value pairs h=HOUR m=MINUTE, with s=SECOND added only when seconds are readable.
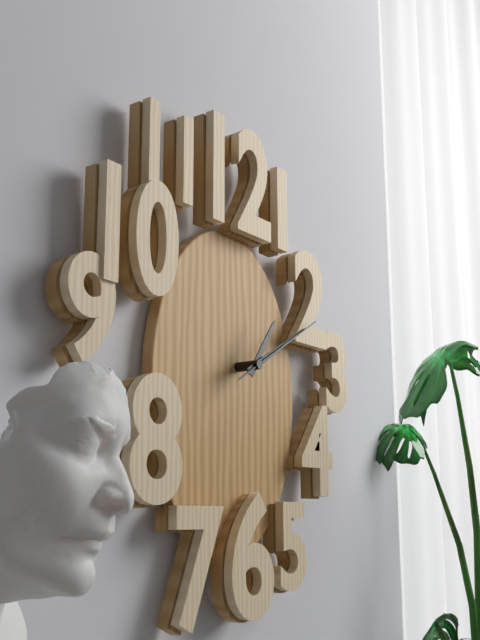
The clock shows h=1 m=10 s=10
